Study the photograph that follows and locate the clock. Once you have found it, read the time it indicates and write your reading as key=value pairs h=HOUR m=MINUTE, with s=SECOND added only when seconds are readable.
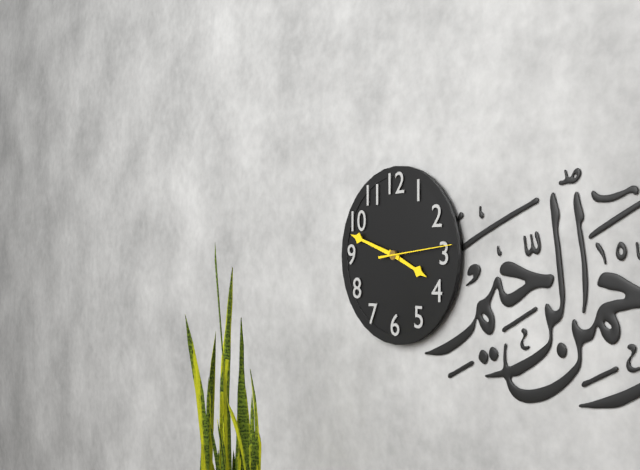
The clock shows h=3 m=48 s=14
